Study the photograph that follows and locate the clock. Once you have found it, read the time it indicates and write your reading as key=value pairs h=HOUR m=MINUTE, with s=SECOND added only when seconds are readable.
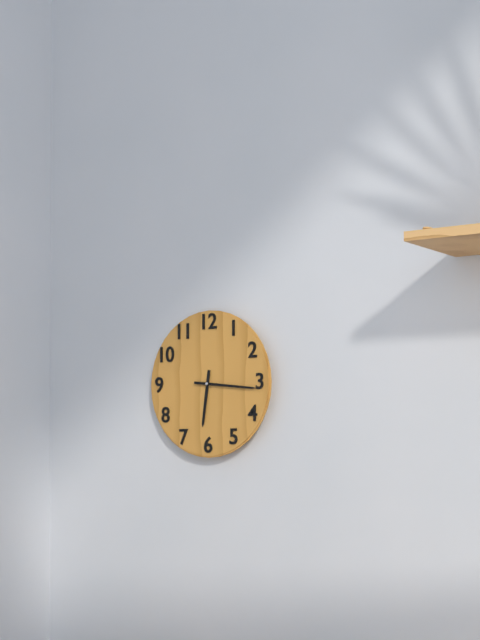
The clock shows h=6 m=16
